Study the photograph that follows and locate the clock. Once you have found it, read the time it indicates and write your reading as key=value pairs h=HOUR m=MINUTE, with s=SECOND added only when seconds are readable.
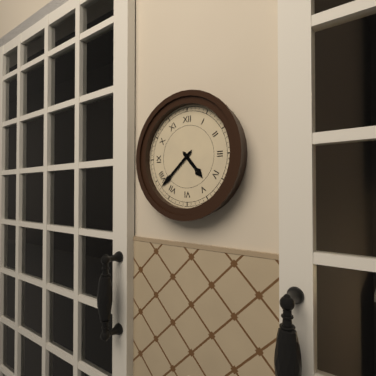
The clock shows h=4 m=38
